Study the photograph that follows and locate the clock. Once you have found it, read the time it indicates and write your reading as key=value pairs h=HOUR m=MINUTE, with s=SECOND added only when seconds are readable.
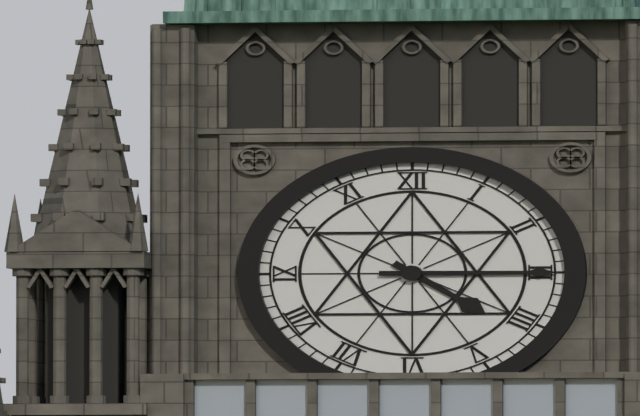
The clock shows h=4 m=15
